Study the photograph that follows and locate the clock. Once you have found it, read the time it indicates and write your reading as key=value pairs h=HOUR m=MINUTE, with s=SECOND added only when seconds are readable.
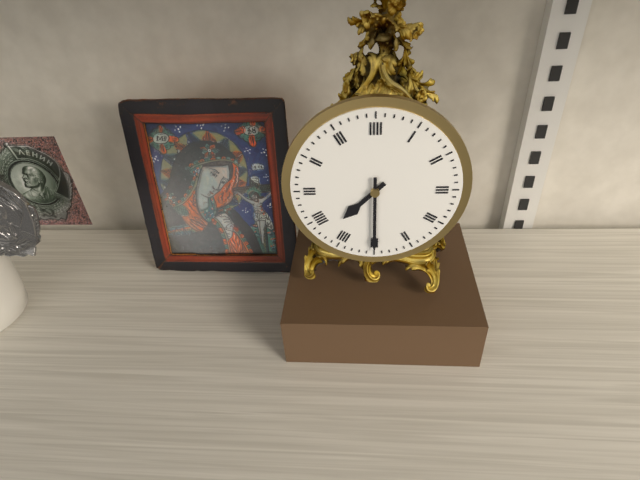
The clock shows h=7 m=30
